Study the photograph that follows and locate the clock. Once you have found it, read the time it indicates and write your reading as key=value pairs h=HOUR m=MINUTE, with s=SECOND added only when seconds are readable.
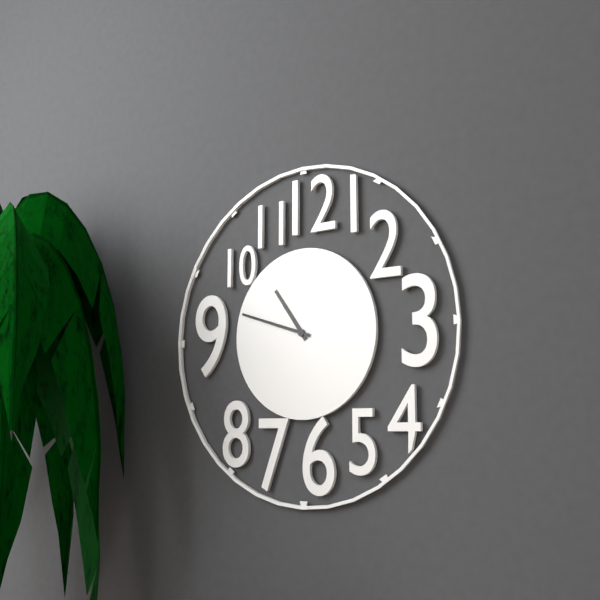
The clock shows h=10 m=48
